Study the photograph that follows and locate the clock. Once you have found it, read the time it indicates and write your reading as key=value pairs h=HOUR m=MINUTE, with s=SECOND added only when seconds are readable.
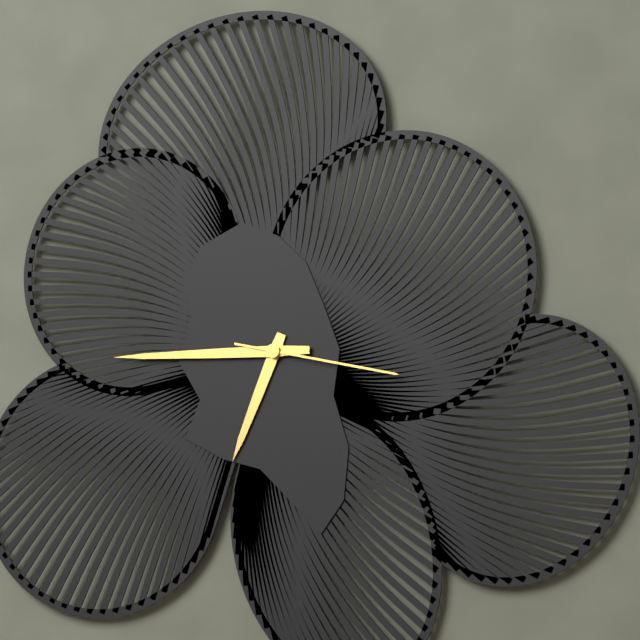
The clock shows h=6 m=45 s=17
